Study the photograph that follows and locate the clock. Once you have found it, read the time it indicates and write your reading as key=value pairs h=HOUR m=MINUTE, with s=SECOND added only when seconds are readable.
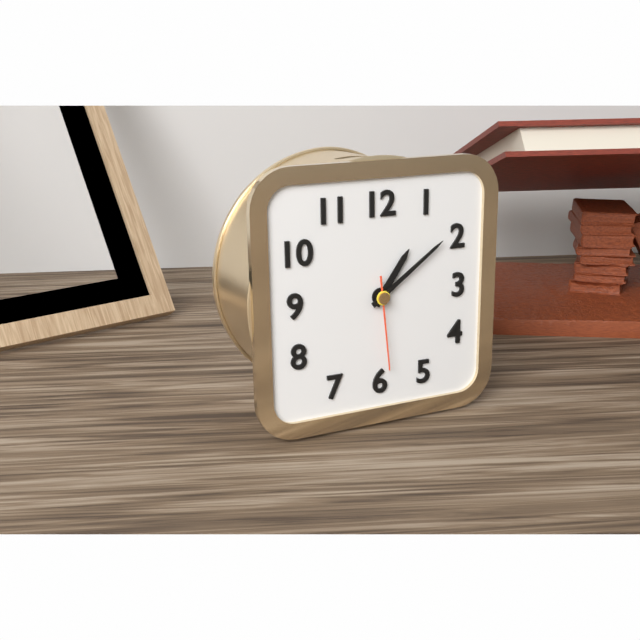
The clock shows h=1 m=9 s=29
